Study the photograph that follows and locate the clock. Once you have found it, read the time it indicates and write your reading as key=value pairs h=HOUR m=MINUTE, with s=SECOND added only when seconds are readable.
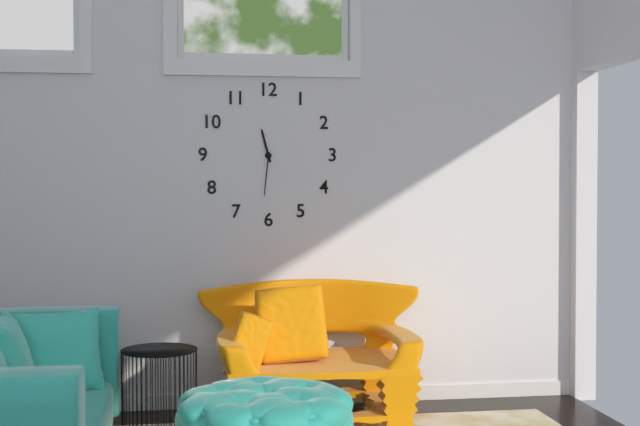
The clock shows h=11 m=31
